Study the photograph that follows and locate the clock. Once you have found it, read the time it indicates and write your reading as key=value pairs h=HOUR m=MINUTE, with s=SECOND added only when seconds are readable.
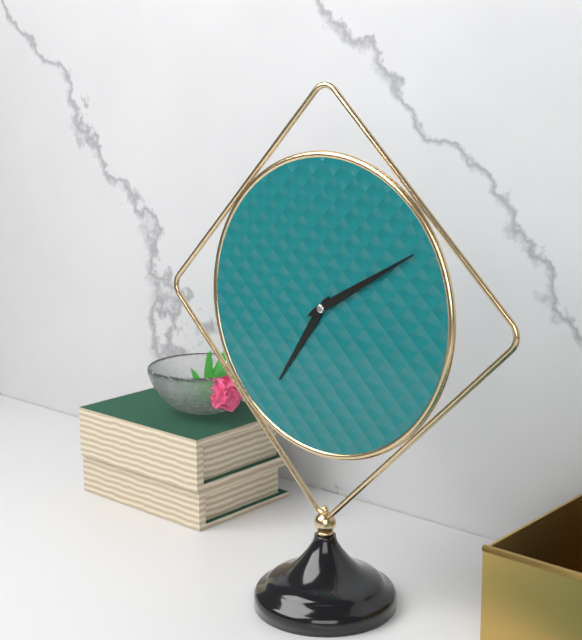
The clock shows h=7 m=10
